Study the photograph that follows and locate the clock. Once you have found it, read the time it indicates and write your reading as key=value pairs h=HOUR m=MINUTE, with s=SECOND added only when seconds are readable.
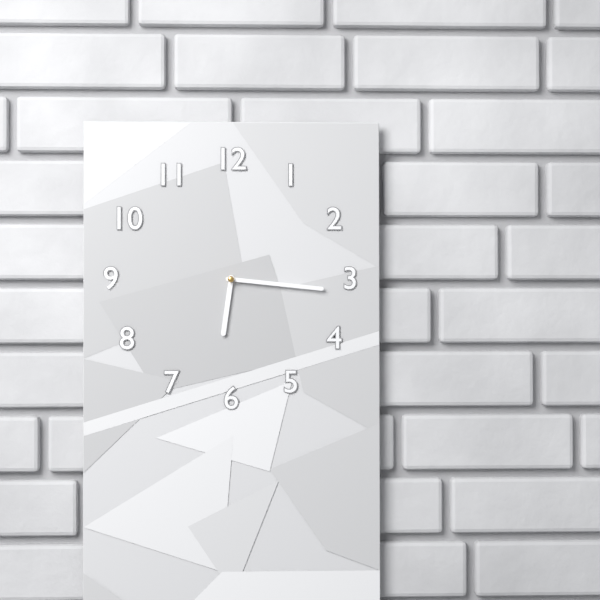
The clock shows h=6 m=16
